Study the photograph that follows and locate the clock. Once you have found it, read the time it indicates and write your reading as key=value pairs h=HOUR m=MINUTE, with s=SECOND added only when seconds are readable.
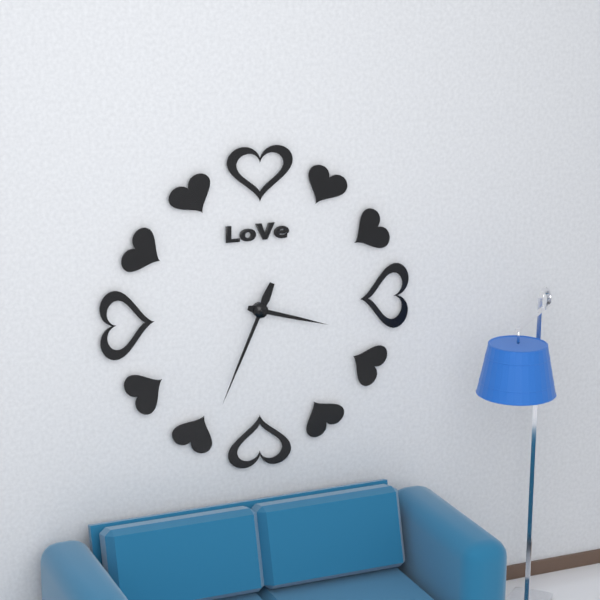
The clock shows h=3 m=34
